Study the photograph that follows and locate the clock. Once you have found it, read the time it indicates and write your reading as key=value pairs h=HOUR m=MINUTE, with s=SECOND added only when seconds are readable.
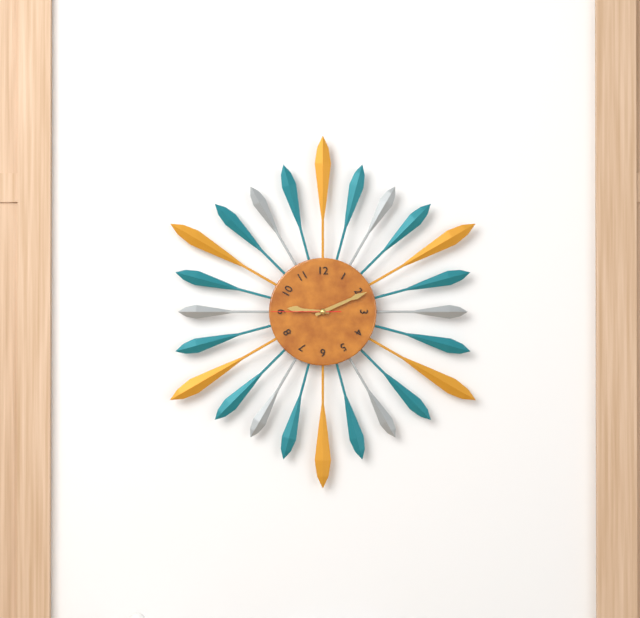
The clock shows h=9 m=11 s=45
